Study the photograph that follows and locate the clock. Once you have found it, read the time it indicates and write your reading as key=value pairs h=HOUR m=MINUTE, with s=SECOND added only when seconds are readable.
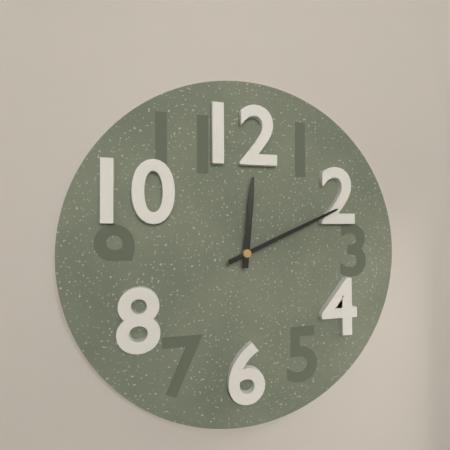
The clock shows h=12 m=11
